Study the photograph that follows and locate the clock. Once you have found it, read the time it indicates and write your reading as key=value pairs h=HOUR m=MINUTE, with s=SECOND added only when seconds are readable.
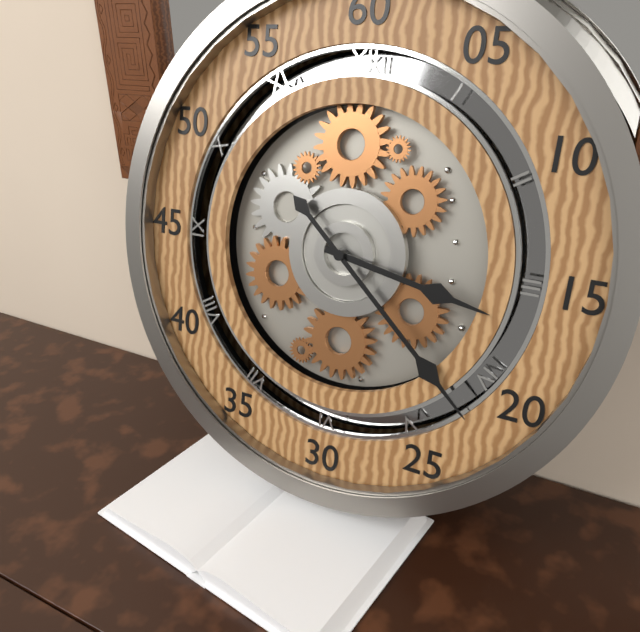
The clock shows h=3 m=22
